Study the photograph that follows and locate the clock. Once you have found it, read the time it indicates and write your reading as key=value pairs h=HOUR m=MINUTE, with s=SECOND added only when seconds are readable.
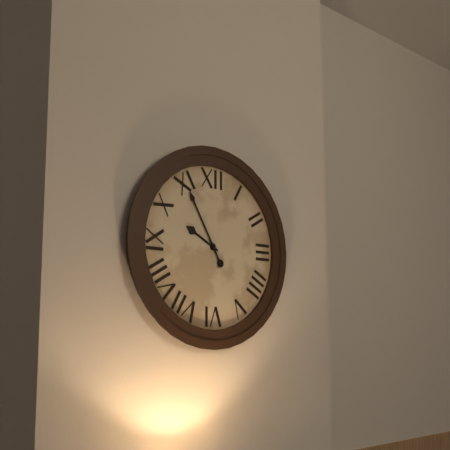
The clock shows h=9 m=55
